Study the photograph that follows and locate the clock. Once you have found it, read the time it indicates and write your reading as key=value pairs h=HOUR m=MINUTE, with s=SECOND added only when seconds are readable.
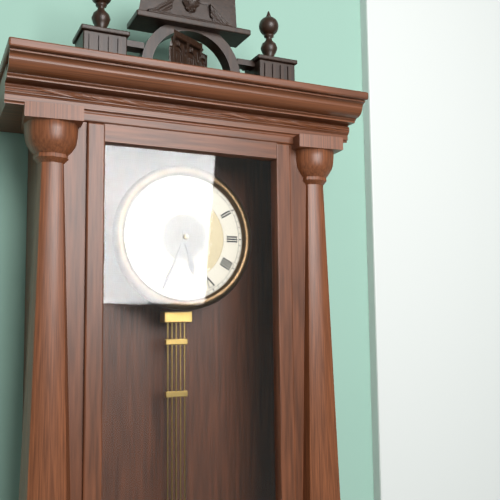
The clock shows h=5 m=34
